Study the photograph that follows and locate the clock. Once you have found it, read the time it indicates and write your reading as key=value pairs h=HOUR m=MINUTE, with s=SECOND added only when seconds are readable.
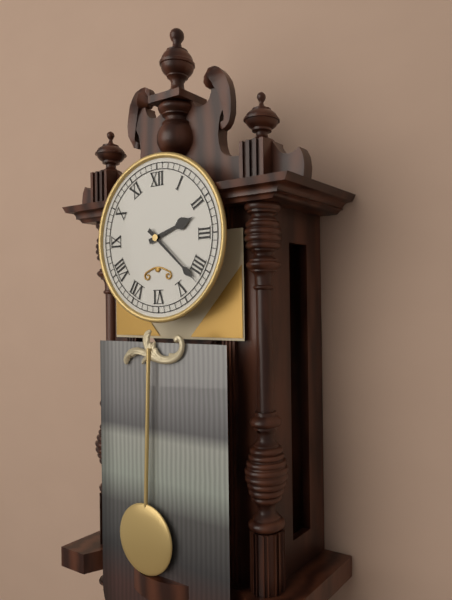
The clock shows h=2 m=22
